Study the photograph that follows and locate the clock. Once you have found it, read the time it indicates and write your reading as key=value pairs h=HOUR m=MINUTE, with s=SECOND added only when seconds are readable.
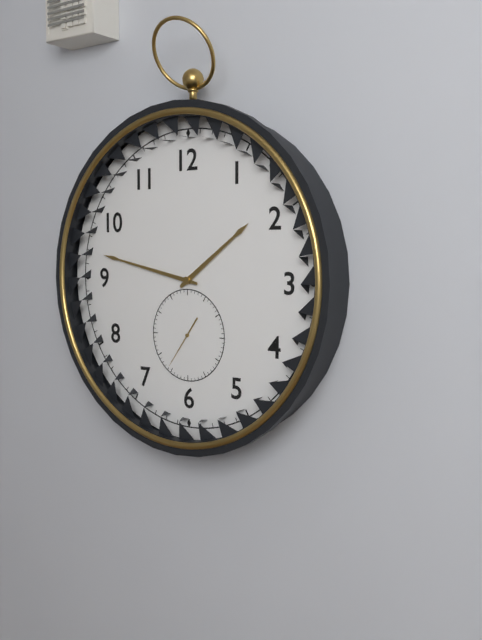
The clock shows h=1 m=47
